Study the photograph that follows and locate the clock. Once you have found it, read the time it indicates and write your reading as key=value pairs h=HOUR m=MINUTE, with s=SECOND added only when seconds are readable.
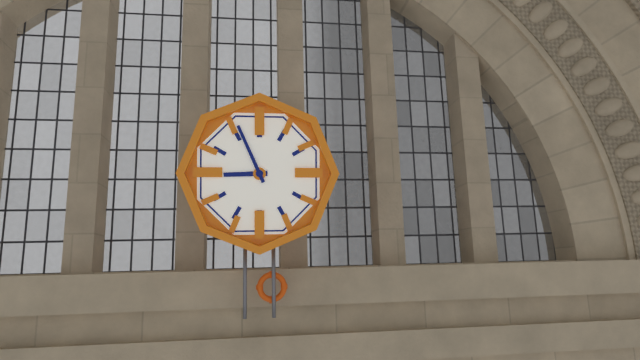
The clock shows h=8 m=56
